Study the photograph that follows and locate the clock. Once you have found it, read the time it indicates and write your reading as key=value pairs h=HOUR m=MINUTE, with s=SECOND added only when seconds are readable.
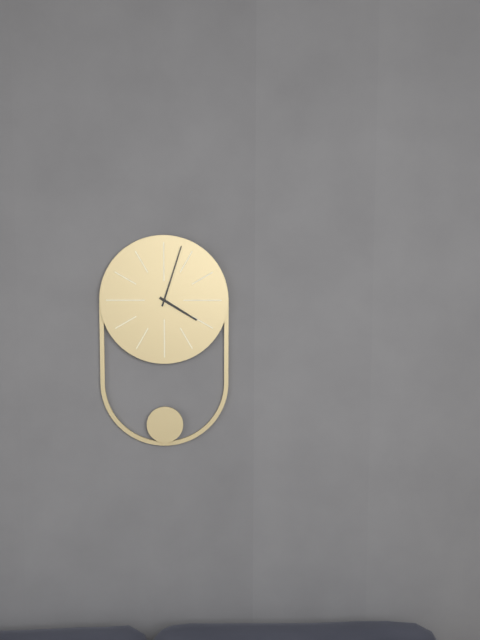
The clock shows h=4 m=3
